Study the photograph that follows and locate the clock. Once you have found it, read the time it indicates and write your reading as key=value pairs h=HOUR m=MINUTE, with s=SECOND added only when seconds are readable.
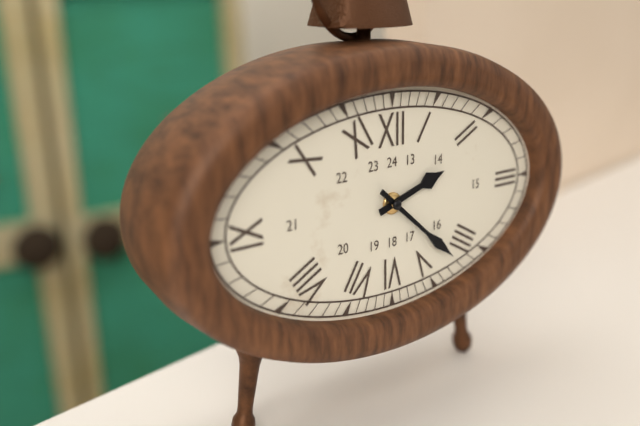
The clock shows h=2 m=22
